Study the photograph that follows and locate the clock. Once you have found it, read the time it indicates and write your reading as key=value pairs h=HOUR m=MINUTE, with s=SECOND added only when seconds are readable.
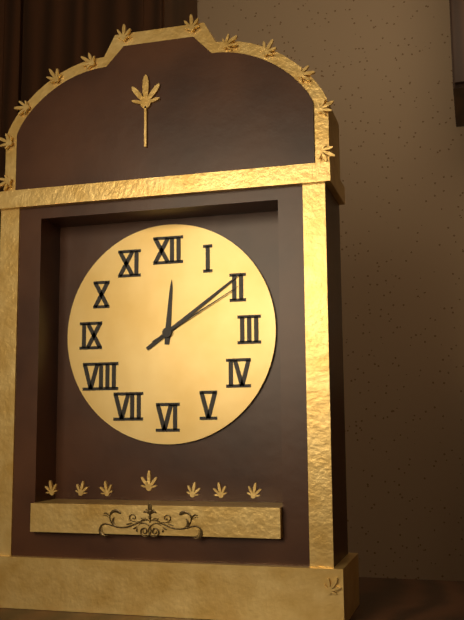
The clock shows h=12 m=9 s=10
